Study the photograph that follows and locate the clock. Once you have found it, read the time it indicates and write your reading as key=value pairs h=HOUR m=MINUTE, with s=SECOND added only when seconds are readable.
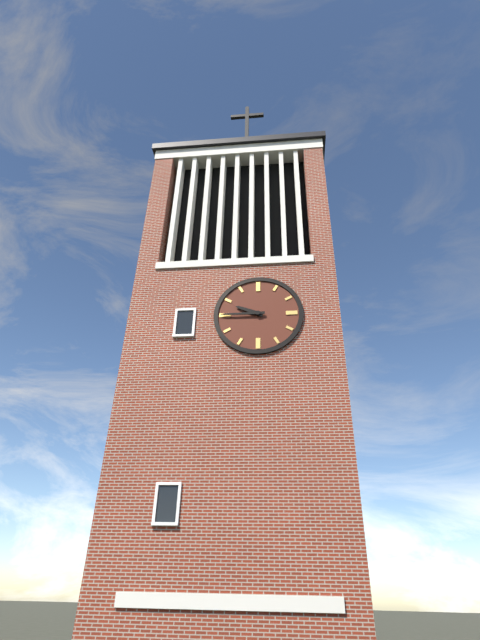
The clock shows h=9 m=45
